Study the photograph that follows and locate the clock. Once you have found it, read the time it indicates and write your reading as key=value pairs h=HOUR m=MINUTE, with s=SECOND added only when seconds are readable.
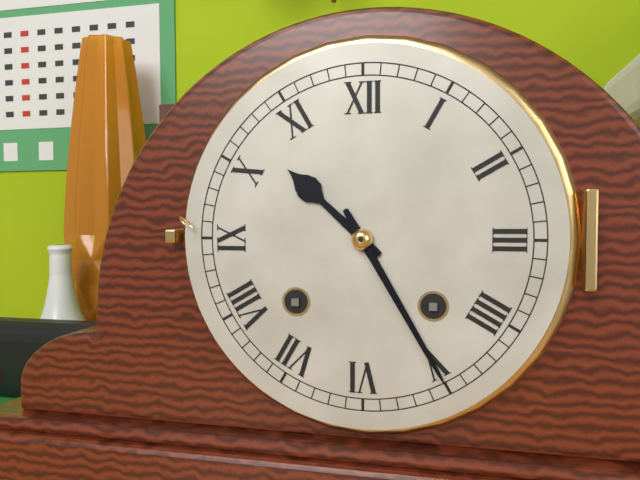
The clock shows h=10 m=25
